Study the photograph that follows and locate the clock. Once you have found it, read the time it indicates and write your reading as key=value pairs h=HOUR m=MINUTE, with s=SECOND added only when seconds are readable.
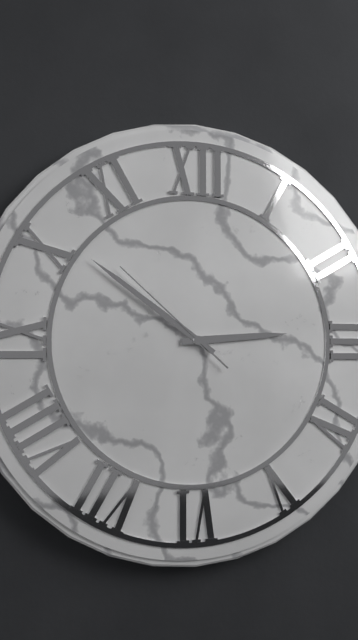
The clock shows h=2 m=51 s=52
